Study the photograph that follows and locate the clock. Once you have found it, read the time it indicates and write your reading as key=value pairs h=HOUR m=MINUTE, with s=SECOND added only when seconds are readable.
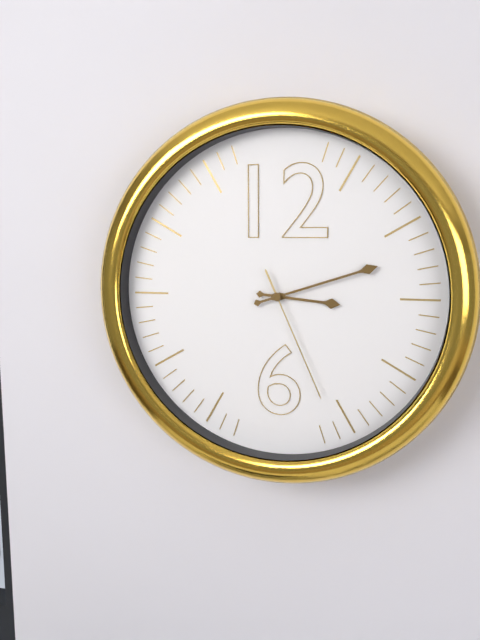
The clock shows h=3 m=12 s=26
